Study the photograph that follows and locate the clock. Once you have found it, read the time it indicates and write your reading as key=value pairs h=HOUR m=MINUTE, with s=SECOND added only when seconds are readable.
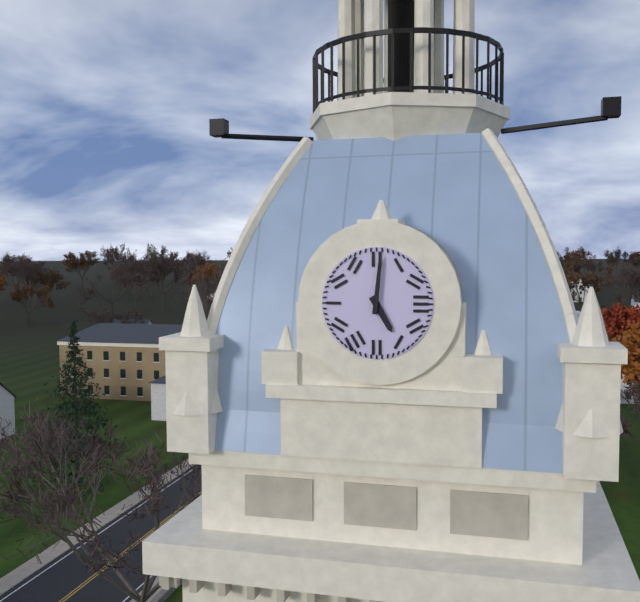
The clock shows h=5 m=1
